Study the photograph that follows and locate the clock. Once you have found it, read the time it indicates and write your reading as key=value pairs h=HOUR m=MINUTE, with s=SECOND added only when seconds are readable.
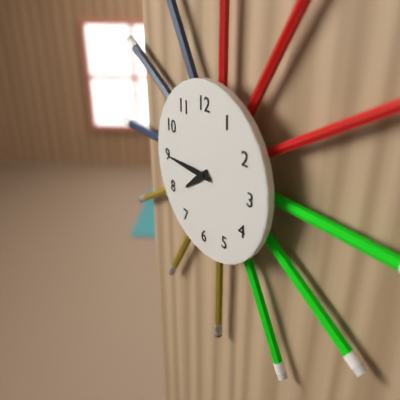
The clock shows h=7 m=45
